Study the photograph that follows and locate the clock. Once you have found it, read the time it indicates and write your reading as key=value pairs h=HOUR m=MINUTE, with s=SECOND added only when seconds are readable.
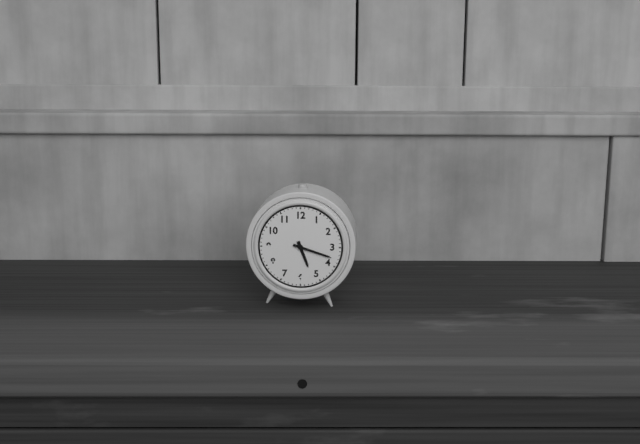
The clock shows h=5 m=18
